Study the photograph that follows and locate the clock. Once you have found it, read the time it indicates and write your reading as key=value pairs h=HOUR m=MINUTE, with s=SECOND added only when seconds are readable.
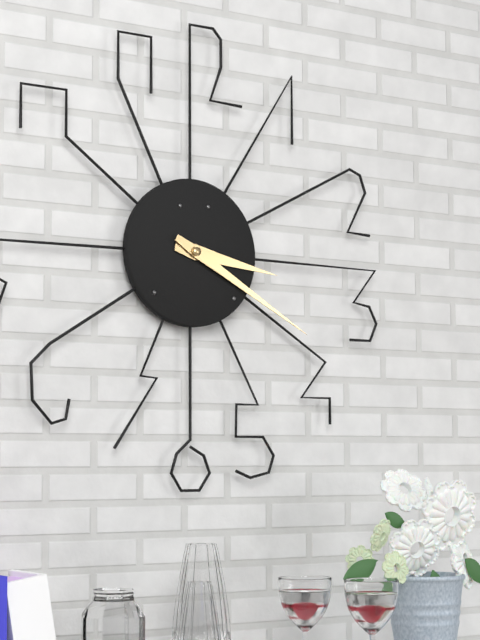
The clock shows h=3 m=20
